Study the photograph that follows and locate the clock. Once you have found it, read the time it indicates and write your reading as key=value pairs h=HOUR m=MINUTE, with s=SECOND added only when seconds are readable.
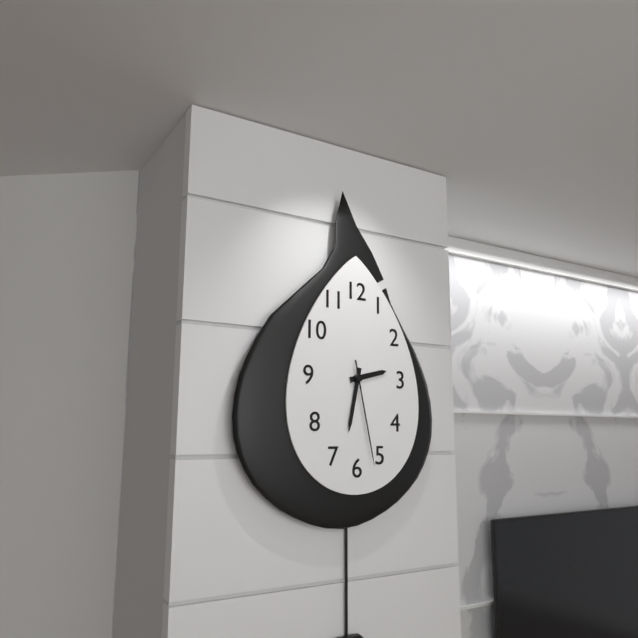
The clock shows h=2 m=32 s=28
